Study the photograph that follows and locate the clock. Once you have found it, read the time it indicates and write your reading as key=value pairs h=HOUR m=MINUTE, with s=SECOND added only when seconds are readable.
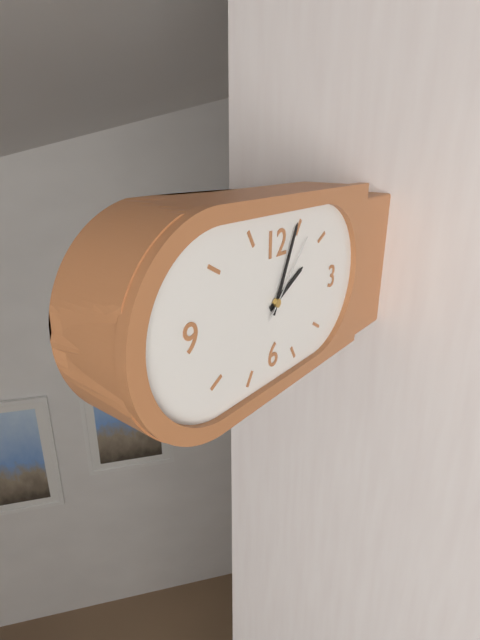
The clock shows h=2 m=4 s=7
